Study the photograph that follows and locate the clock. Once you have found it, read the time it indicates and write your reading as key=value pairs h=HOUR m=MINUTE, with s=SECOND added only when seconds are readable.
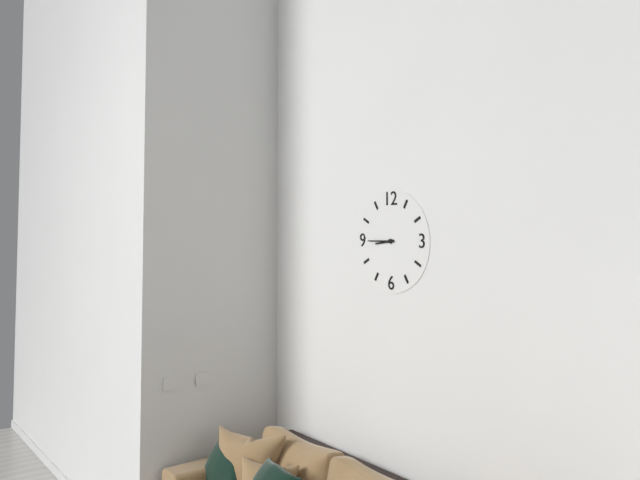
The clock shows h=8 m=45
